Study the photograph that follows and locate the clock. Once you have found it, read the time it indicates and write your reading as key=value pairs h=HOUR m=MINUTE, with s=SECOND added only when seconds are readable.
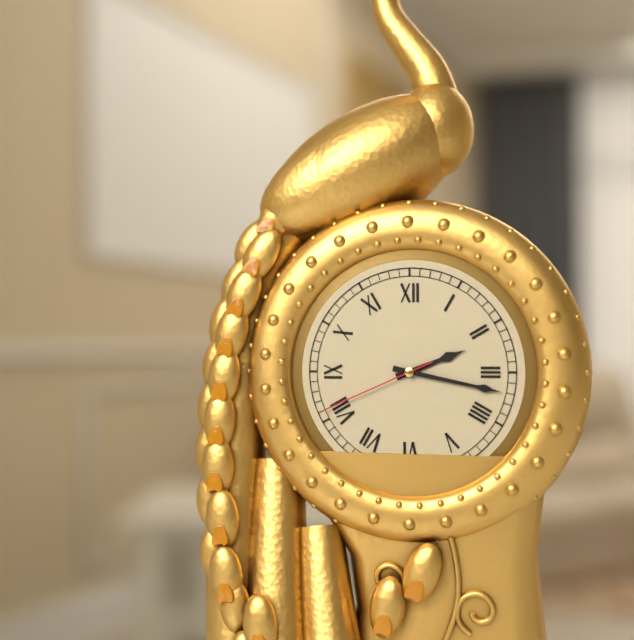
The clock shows h=2 m=17 s=41
